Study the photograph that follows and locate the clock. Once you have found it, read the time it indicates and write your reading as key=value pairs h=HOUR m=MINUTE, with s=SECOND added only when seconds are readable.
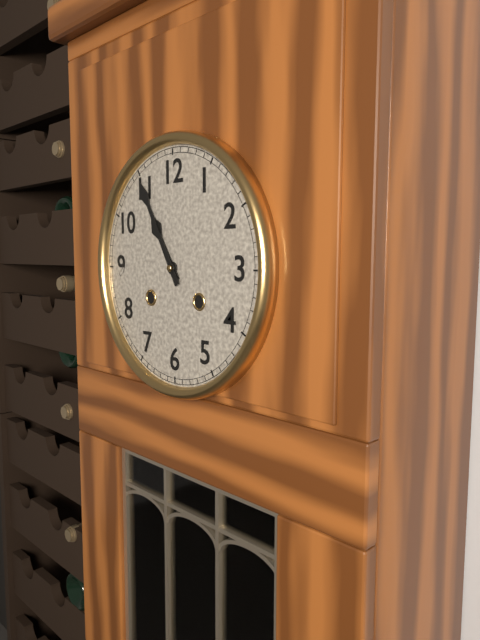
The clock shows h=10 m=55
